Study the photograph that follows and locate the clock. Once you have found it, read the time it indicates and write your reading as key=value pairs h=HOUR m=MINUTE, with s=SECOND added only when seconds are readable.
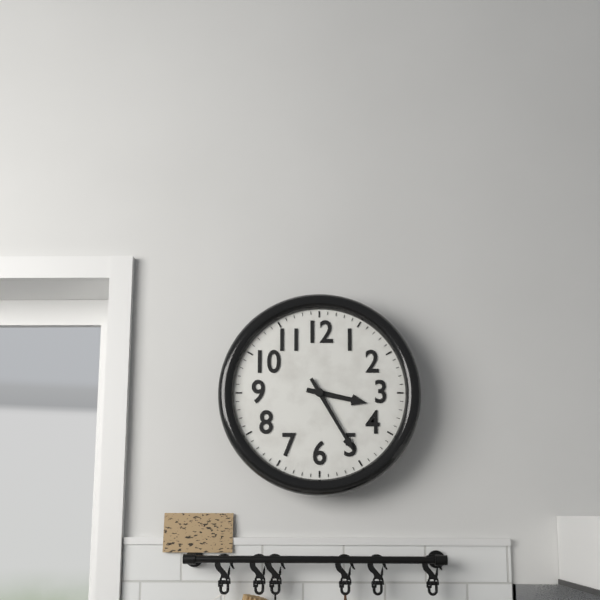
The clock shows h=3 m=25
